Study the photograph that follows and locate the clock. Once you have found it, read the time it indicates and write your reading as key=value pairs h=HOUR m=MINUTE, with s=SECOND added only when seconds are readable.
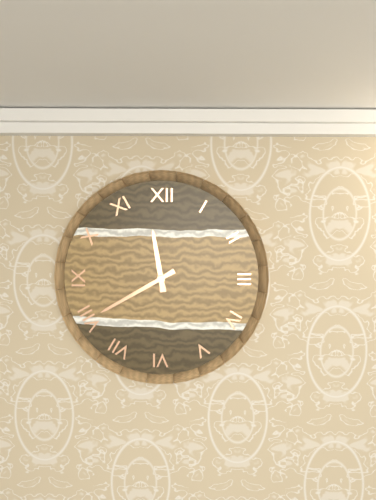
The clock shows h=11 m=40
